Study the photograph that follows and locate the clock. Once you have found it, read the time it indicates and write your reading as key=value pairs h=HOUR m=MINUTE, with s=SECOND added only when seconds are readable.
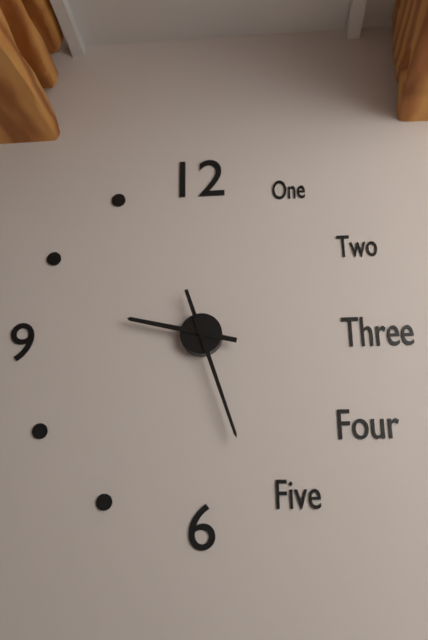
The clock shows h=9 m=27
